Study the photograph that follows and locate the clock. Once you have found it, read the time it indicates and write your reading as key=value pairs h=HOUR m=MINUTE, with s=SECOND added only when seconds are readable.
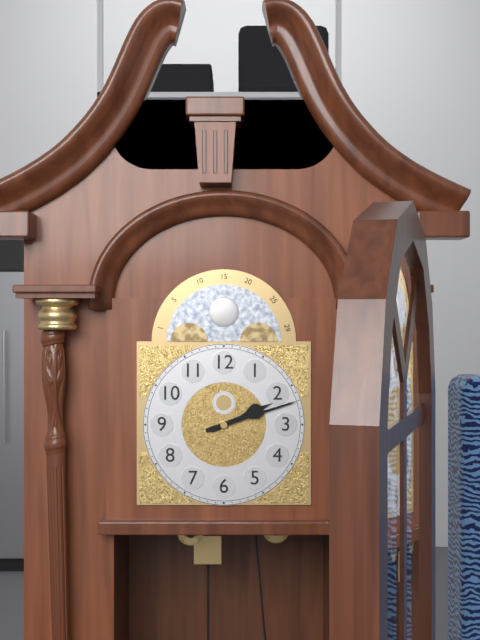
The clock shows h=2 m=12
